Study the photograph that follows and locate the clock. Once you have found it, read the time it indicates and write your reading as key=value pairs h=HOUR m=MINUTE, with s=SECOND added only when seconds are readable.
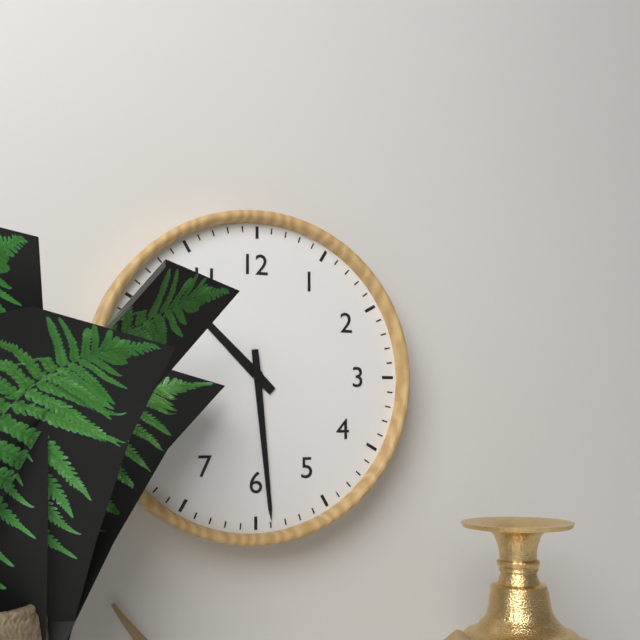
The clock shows h=10 m=29
